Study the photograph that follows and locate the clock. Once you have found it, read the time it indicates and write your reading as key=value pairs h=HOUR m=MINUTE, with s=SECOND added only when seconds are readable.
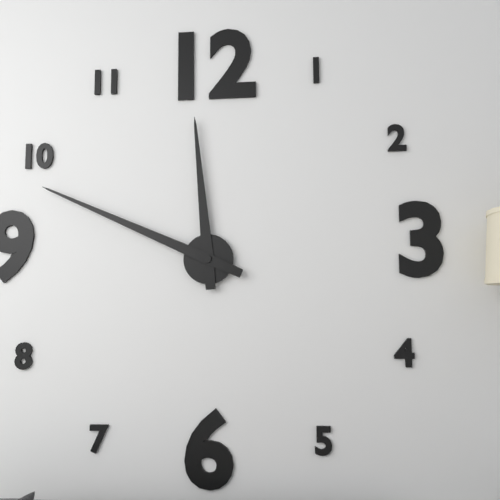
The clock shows h=11 m=49
